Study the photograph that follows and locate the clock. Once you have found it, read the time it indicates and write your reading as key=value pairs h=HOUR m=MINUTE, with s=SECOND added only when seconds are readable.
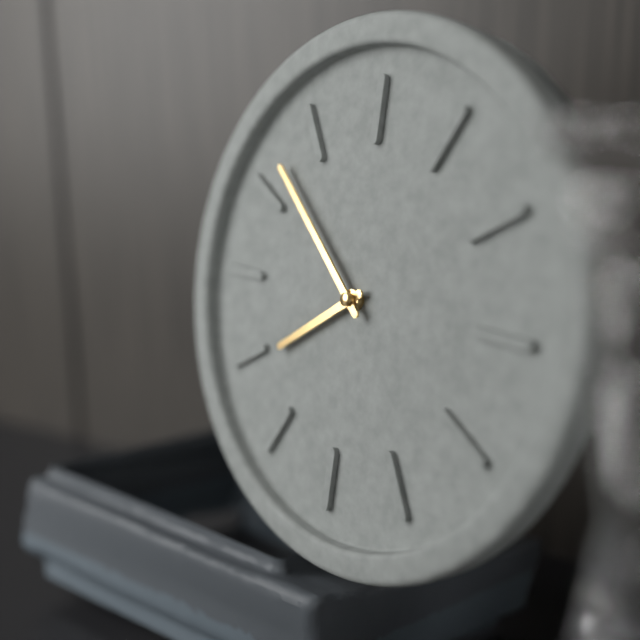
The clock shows h=7 m=52
